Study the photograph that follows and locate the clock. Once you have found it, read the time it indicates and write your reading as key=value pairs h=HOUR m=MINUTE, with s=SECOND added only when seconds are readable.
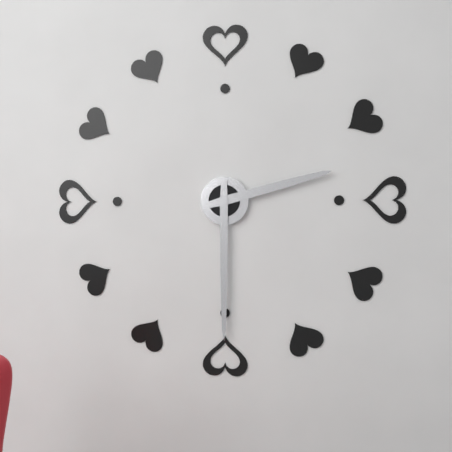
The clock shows h=2 m=30
